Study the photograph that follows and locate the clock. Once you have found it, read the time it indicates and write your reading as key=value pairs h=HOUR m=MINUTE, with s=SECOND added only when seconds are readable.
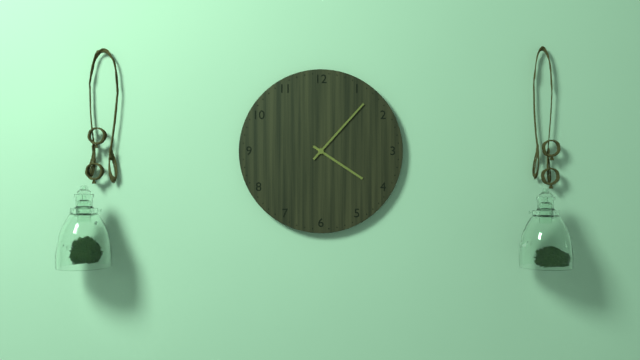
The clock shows h=4 m=7
